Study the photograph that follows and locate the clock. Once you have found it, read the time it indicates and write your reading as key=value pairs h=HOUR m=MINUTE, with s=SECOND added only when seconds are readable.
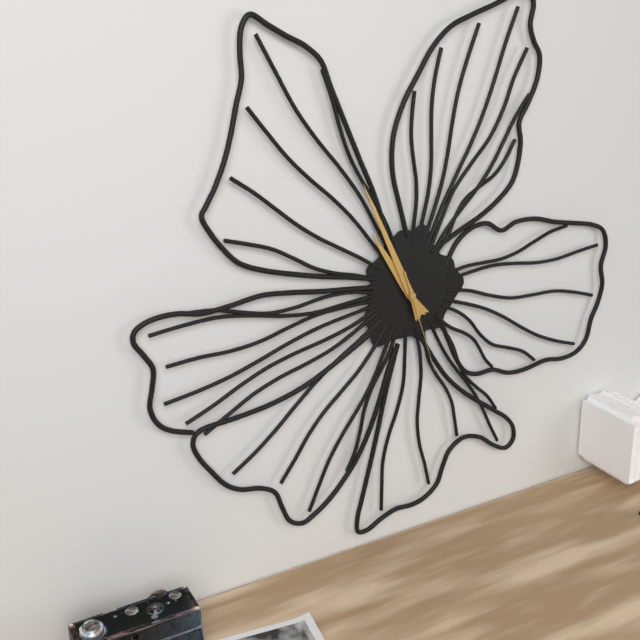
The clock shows h=10 m=56 s=27
